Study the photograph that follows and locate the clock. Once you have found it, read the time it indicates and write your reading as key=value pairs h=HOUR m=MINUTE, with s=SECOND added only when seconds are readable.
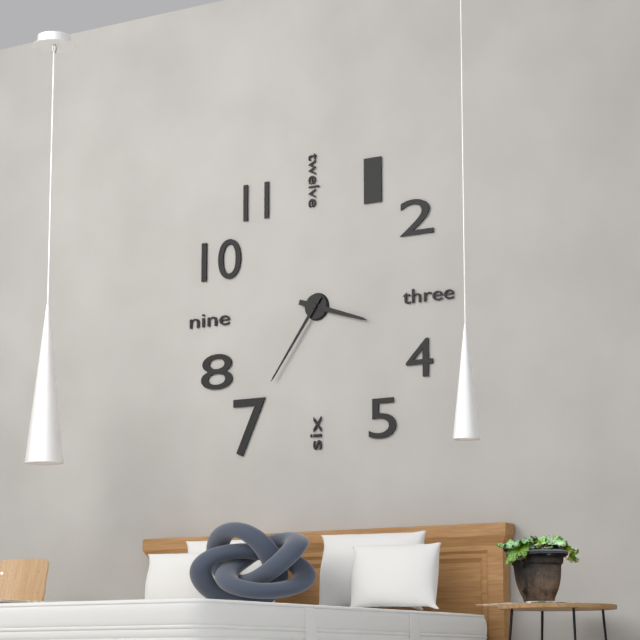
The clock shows h=3 m=36
